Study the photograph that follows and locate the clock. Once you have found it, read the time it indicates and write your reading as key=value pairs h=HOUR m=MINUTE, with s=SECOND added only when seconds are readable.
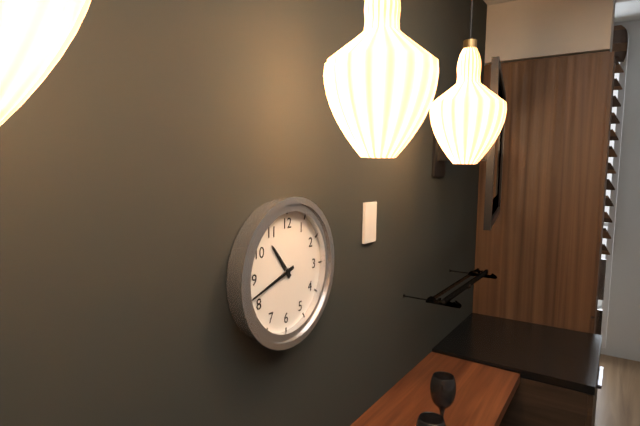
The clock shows h=10 m=42
